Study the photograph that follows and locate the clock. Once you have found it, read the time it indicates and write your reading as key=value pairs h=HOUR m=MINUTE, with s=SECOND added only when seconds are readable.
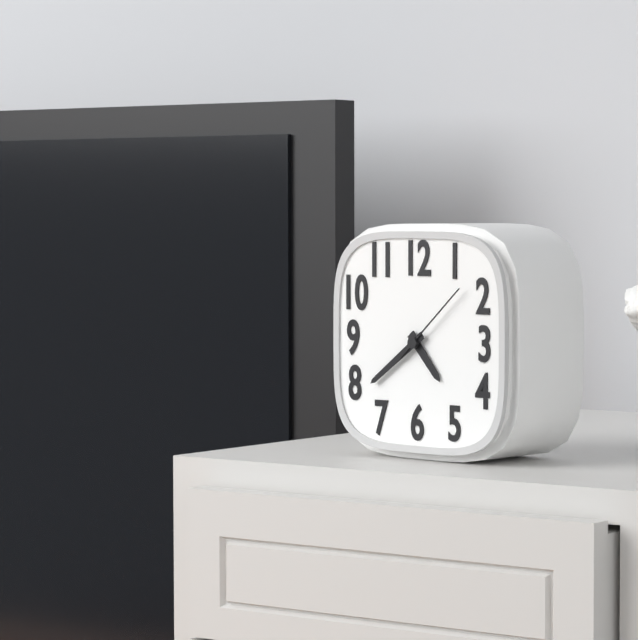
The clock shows h=4 m=39 s=8
